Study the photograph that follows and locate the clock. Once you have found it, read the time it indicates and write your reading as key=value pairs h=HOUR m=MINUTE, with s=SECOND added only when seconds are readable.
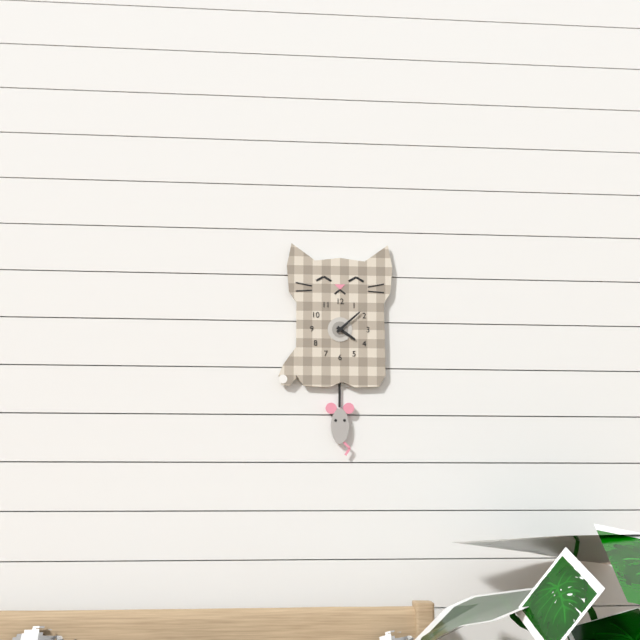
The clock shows h=4 m=8
